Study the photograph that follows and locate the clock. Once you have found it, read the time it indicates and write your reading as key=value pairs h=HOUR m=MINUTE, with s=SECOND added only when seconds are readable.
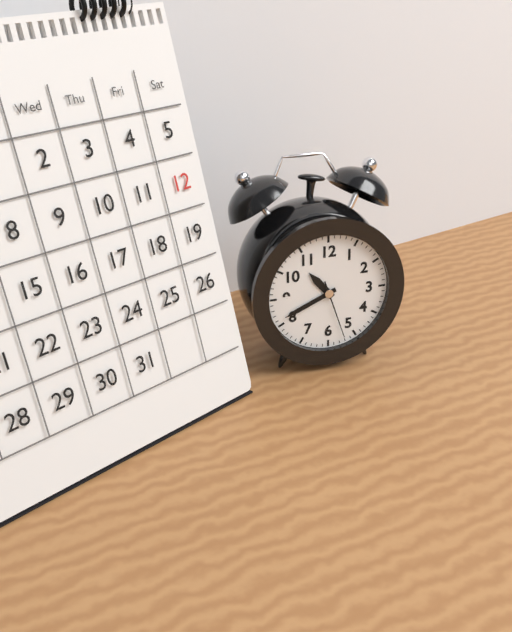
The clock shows h=10 m=41 s=27
